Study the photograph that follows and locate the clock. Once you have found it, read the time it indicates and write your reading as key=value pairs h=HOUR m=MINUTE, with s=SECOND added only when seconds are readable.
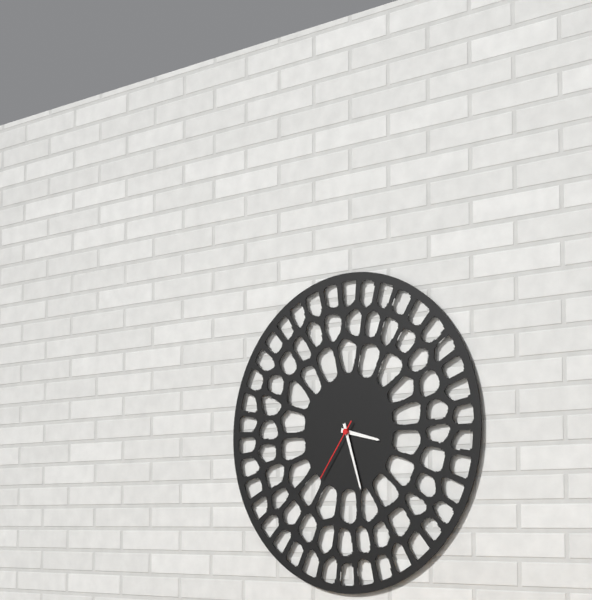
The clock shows h=3 m=27 s=36
